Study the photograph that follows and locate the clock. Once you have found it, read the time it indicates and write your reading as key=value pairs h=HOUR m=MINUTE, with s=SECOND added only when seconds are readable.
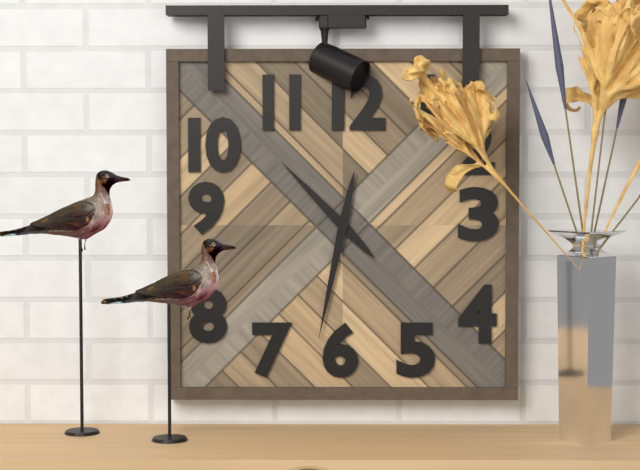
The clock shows h=10 m=32
